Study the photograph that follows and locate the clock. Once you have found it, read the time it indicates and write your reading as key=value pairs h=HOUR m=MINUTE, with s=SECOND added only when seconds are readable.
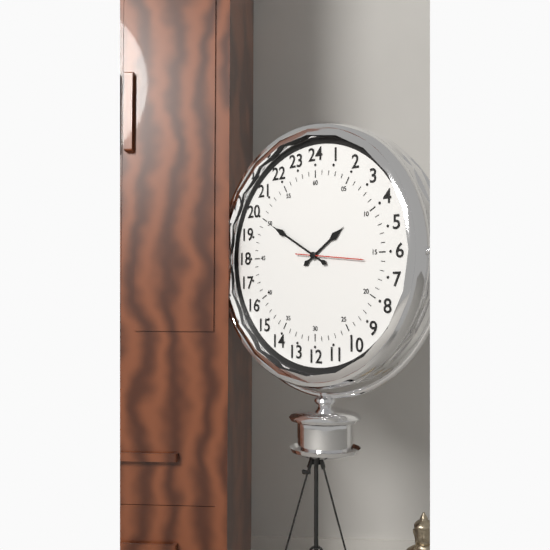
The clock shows h=1 m=50 s=16
